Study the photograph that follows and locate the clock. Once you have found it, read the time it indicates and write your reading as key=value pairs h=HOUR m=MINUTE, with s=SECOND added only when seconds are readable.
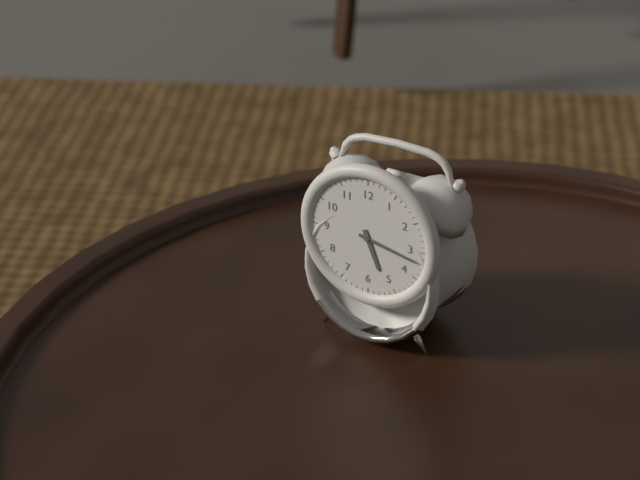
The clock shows h=5 m=17
